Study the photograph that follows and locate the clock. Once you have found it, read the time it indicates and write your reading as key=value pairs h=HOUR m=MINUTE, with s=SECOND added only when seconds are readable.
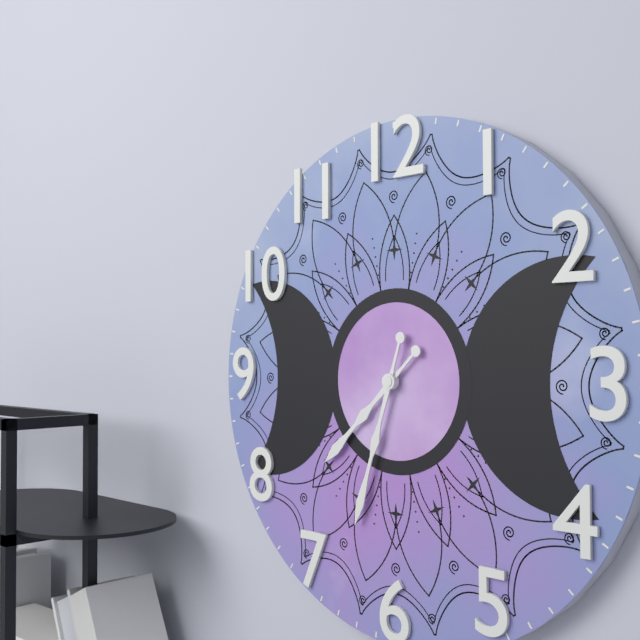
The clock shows h=7 m=33
